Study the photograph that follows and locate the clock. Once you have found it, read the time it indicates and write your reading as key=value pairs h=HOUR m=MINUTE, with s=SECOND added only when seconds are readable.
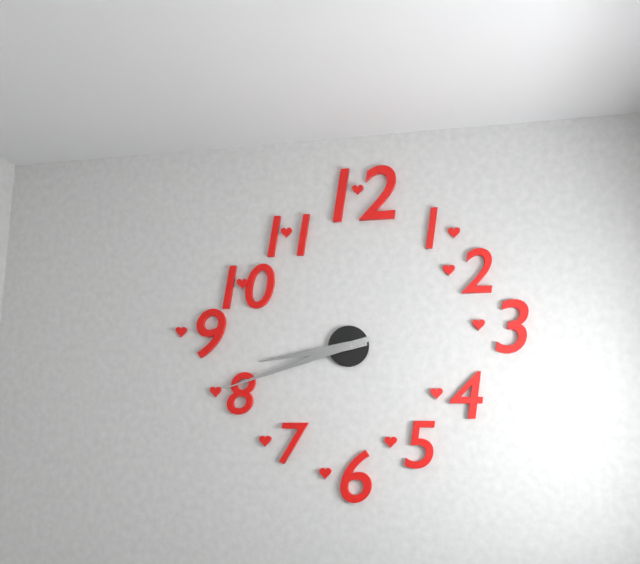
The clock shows h=8 m=42
